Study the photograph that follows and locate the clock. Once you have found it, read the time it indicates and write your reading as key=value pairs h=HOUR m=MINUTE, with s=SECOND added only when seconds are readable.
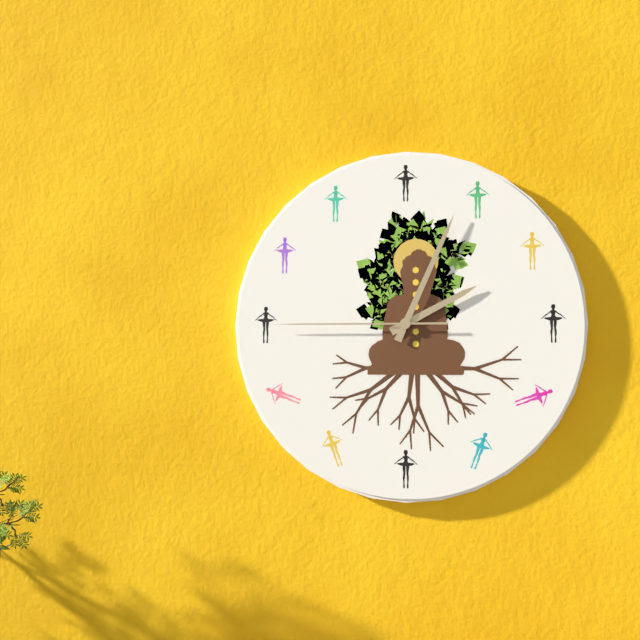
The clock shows h=2 m=4 s=45
